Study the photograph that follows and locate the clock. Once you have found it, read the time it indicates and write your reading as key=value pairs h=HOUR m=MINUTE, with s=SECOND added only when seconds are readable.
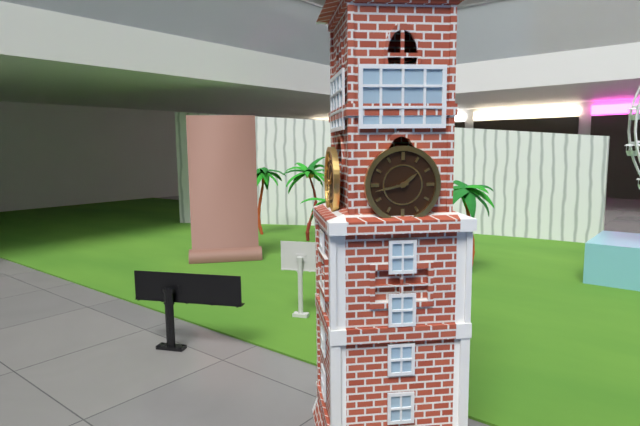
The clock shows h=1 m=43
